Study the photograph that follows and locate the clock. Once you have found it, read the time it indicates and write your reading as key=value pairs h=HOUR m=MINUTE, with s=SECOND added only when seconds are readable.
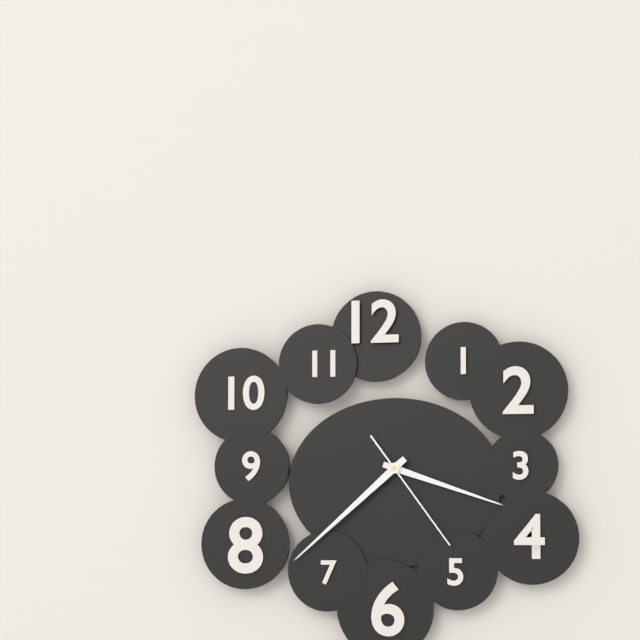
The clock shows h=3 m=38 s=24
